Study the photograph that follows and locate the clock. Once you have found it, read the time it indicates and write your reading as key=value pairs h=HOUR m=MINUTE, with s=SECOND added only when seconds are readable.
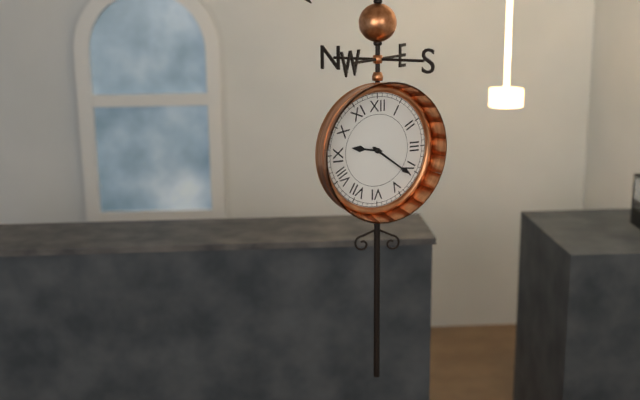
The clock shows h=9 m=21
